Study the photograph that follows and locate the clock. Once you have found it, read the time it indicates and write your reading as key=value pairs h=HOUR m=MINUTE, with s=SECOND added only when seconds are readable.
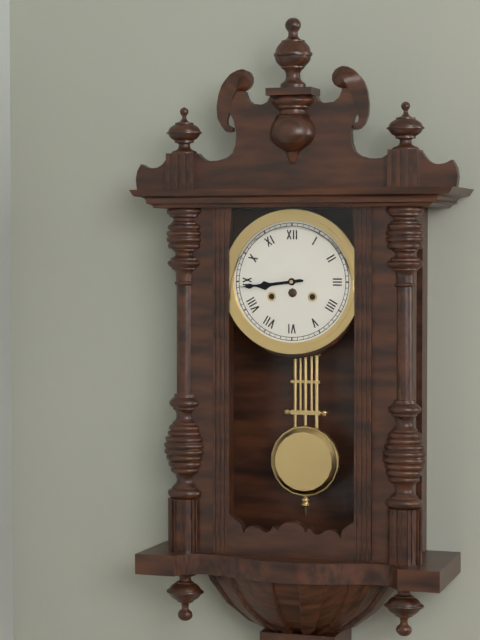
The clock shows h=8 m=44
